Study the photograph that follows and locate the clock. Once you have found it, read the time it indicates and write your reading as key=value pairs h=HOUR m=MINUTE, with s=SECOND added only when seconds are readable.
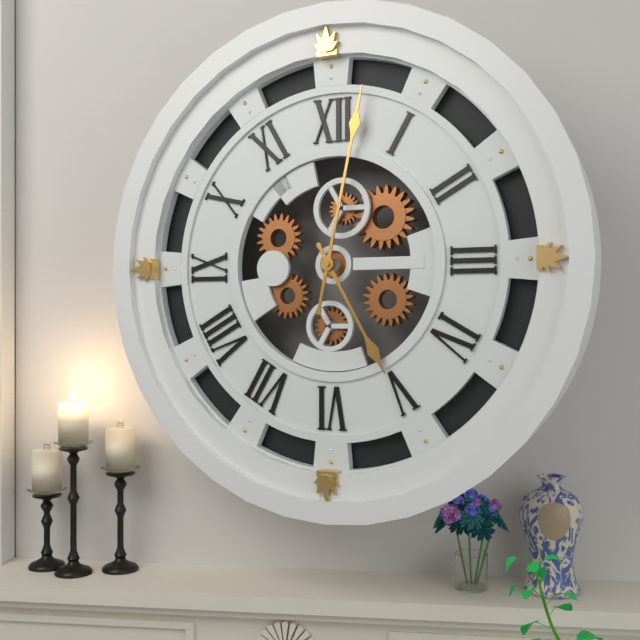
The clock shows h=5 m=2
